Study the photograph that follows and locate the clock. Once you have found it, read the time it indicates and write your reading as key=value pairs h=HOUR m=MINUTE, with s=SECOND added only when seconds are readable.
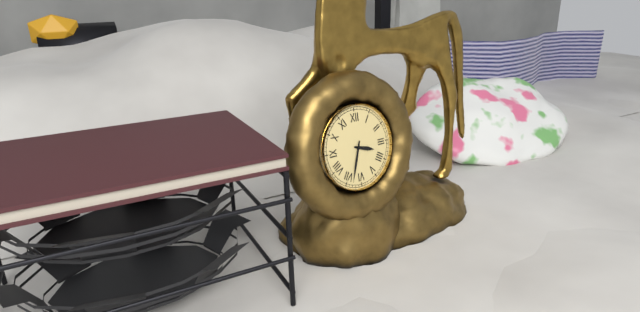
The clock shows h=3 m=33
